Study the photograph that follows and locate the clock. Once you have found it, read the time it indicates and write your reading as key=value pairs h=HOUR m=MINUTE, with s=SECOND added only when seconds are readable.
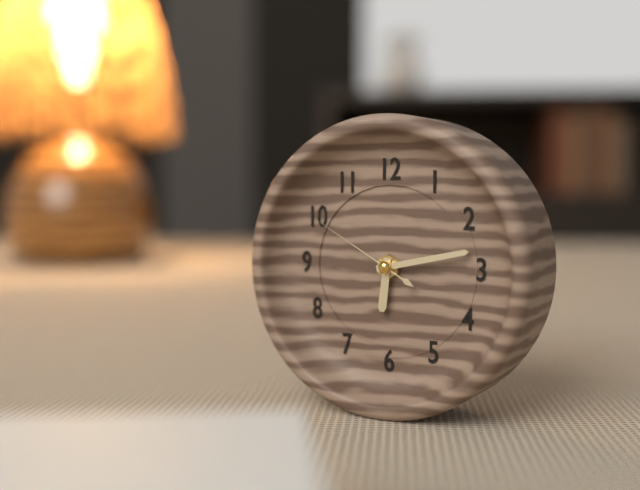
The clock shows h=6 m=13 s=50
